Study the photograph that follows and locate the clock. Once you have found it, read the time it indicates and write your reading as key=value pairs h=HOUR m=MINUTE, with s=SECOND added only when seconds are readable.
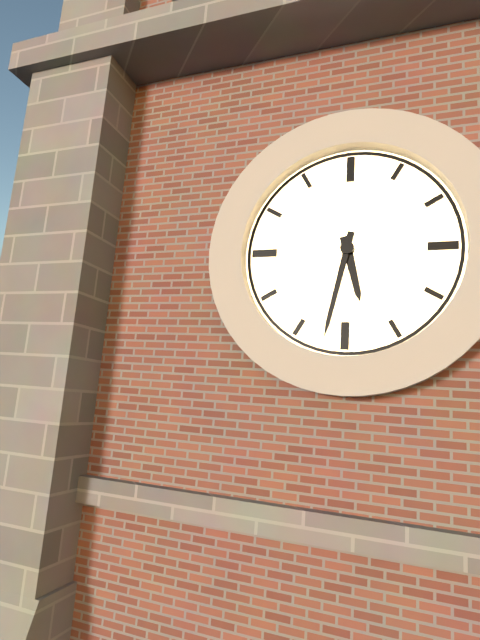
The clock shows h=5 m=32
